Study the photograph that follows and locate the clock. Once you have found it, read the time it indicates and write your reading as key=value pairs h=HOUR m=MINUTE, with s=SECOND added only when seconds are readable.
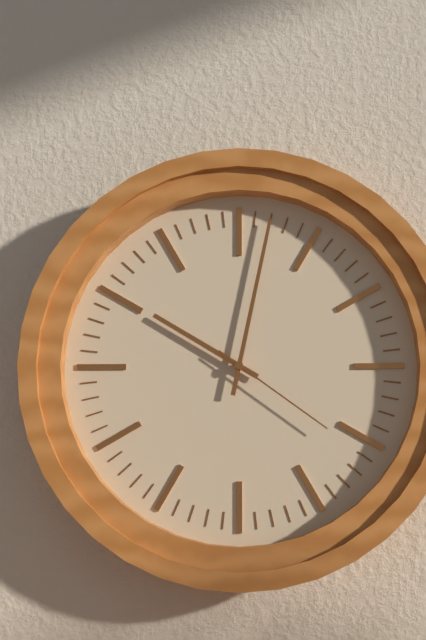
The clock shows h=10 m=2 s=21
